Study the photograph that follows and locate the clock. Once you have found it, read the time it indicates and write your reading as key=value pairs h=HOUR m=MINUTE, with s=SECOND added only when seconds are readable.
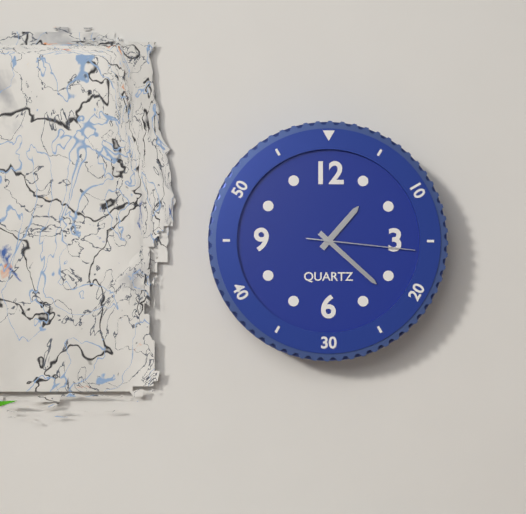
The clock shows h=1 m=22 s=16
